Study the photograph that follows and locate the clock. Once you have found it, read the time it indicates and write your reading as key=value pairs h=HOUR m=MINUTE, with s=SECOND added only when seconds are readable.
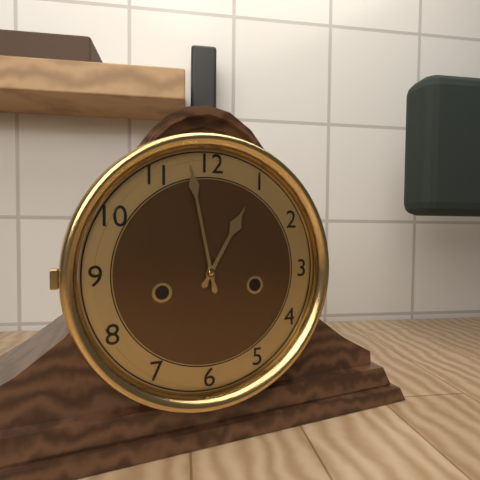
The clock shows h=12 m=58
